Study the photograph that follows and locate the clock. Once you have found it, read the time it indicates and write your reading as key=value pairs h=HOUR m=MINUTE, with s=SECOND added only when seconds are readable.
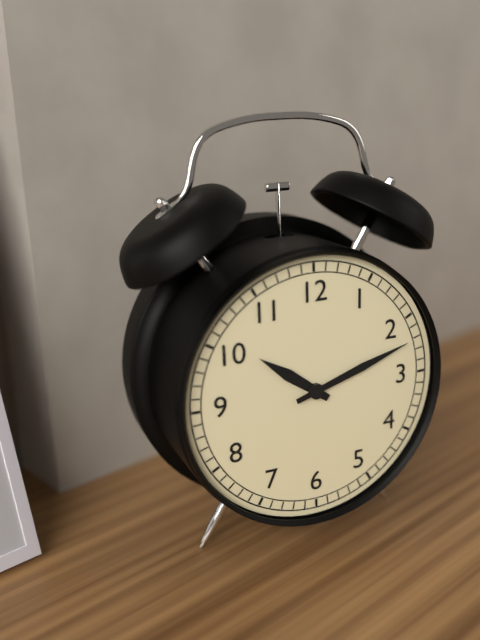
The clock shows h=10 m=12
